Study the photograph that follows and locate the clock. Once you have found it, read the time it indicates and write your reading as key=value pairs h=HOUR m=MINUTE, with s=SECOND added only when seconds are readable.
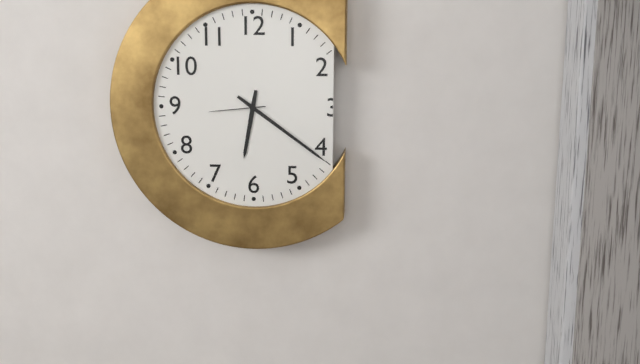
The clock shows h=6 m=21 s=44
